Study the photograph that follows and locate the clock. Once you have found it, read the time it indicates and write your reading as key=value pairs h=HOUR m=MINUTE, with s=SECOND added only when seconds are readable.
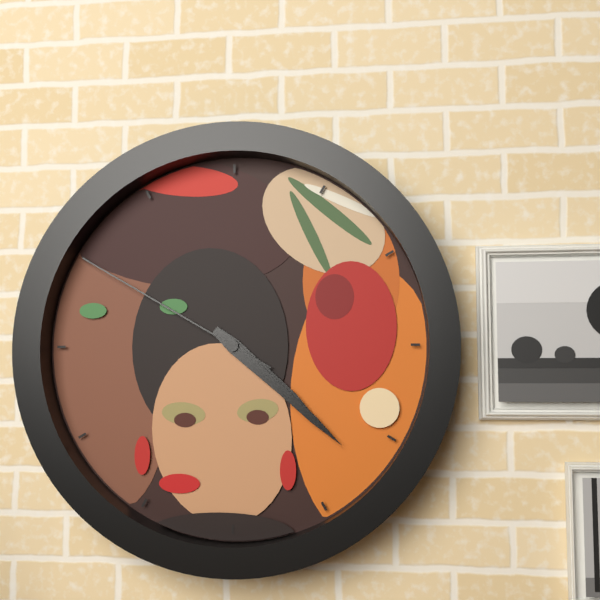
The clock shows h=4 m=22 s=50
